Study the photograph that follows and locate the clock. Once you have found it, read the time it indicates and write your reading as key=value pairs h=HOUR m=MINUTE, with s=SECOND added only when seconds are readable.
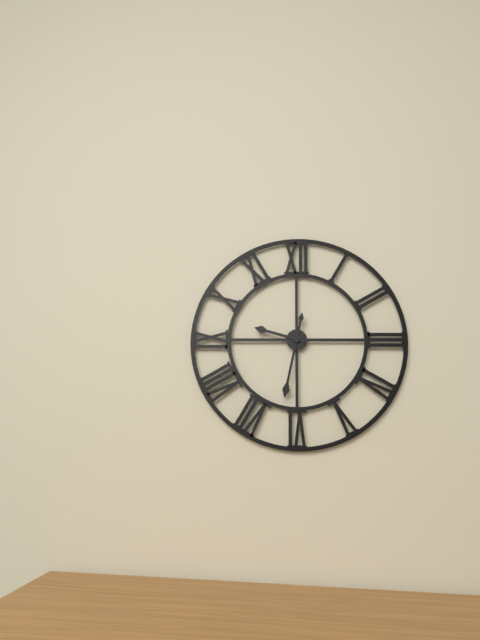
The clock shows h=9 m=32
